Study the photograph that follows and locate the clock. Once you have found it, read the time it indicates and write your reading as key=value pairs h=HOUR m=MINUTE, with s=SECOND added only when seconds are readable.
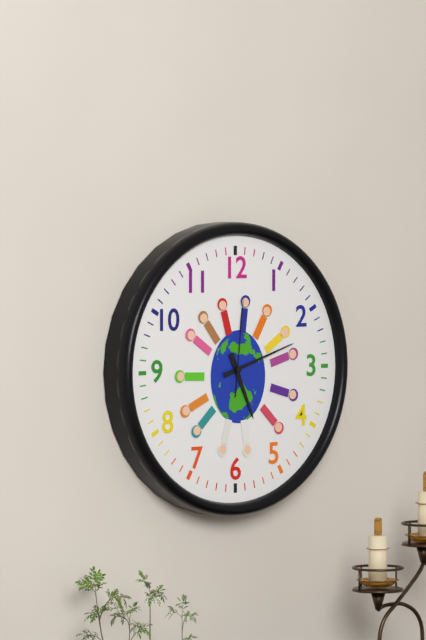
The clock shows h=5 m=12 s=1
